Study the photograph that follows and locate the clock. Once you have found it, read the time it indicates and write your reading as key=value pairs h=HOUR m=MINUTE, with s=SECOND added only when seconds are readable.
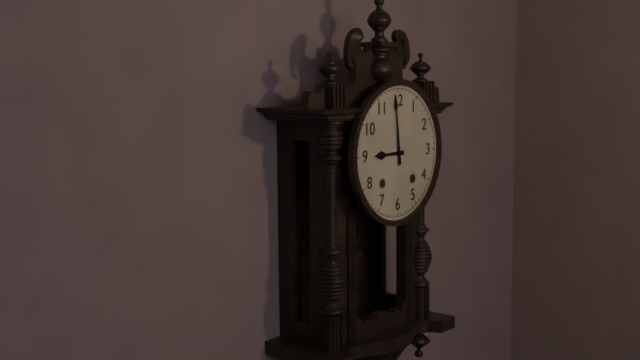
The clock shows h=8 m=59
